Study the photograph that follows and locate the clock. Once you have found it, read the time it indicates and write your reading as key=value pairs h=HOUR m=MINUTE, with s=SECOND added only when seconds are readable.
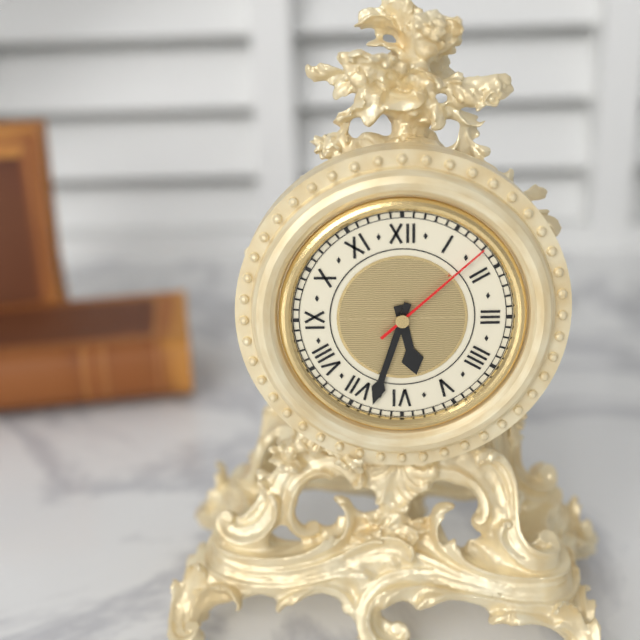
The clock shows h=5 m=33 s=8
